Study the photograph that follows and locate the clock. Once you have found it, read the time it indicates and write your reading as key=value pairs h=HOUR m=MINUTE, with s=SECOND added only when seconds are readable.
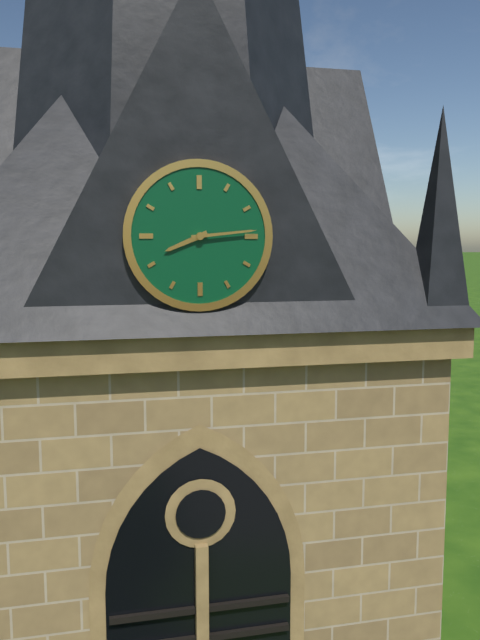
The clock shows h=8 m=14
